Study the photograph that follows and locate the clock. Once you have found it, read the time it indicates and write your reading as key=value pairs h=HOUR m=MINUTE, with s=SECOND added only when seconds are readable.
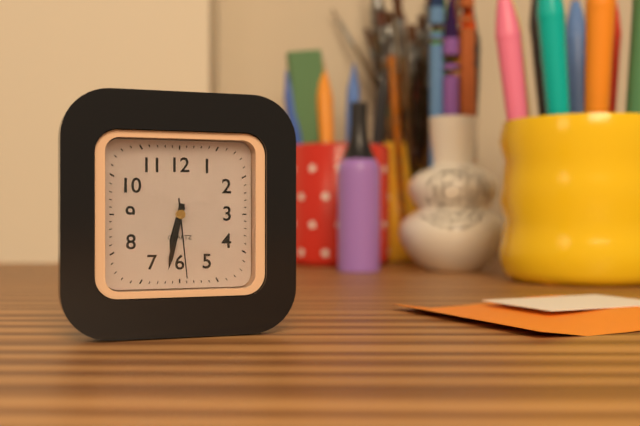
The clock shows h=6 m=32 s=29
